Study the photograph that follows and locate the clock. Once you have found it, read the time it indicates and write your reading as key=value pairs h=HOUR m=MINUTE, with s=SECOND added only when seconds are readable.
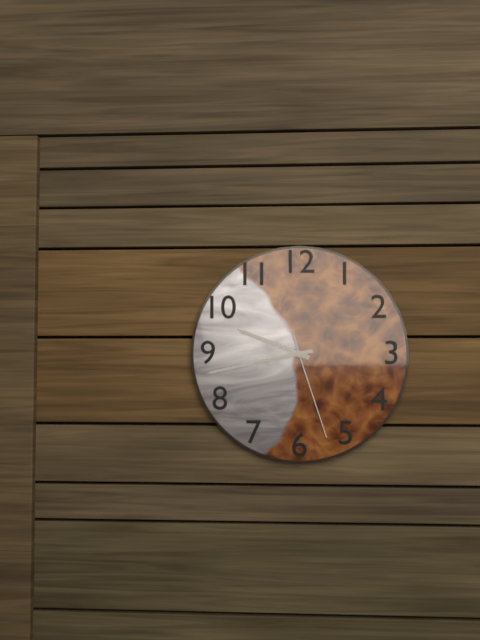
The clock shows h=9 m=43 s=27
